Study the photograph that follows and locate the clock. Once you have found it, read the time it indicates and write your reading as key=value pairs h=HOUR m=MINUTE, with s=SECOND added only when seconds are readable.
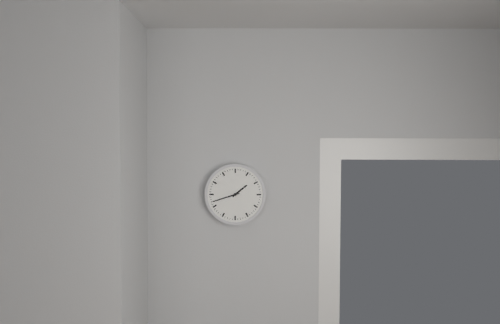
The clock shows h=1 m=42
